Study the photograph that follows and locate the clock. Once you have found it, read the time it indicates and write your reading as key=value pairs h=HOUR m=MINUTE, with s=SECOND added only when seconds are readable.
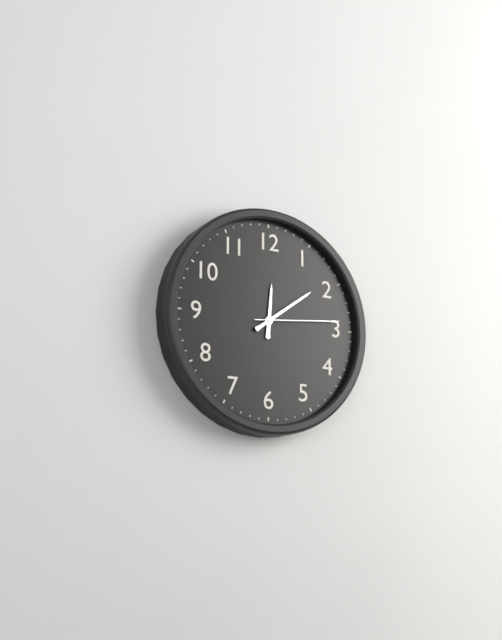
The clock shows h=12 m=9 s=14
